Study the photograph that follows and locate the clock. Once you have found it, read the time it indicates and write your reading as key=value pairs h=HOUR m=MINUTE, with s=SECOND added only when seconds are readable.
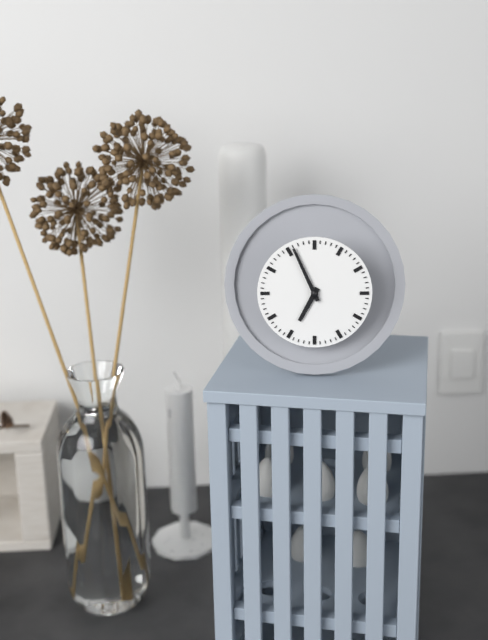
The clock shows h=6 m=56
